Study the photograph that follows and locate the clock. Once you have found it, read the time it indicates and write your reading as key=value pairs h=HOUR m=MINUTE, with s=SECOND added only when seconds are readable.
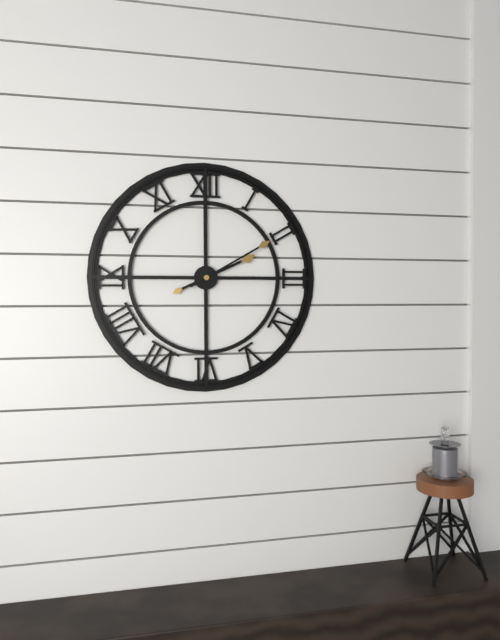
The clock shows h=2 m=10
